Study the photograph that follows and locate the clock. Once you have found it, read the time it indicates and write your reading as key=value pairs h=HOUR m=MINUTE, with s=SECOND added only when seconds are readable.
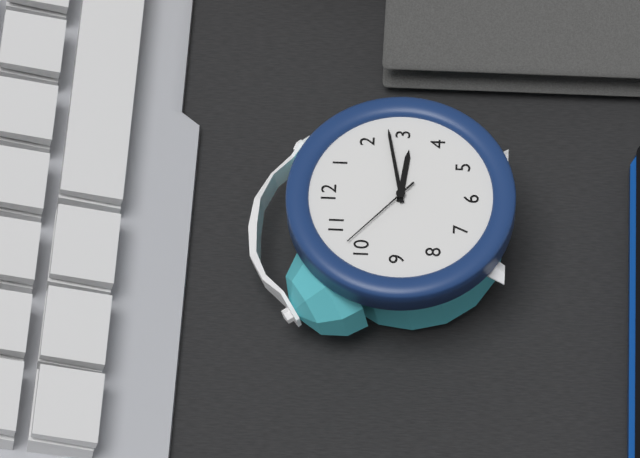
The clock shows h=3 m=13 s=52
